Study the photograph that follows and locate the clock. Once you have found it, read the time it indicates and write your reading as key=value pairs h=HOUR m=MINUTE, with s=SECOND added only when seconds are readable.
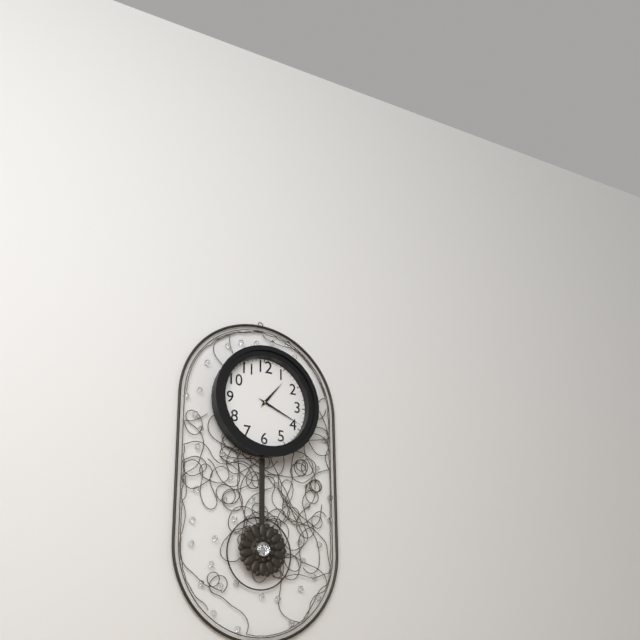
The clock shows h=1 m=19
